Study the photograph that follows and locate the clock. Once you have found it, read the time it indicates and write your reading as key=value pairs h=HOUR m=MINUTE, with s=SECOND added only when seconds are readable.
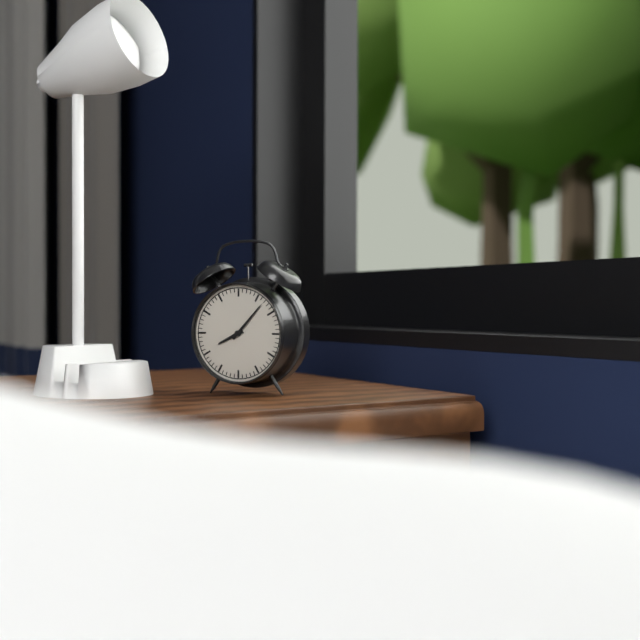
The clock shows h=8 m=7
